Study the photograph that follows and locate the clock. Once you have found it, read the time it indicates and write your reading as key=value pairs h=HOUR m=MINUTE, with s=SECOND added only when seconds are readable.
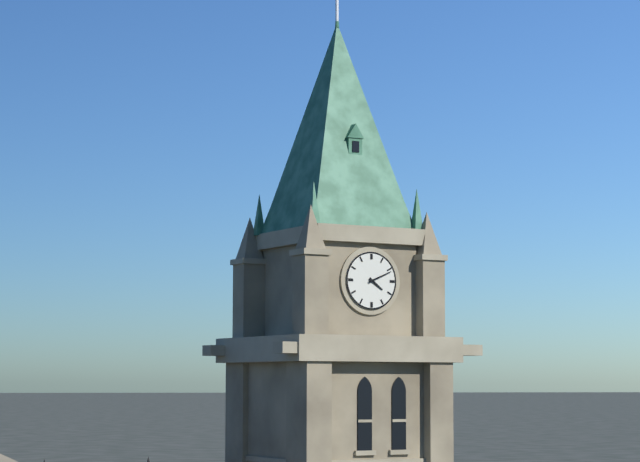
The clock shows h=4 m=11
